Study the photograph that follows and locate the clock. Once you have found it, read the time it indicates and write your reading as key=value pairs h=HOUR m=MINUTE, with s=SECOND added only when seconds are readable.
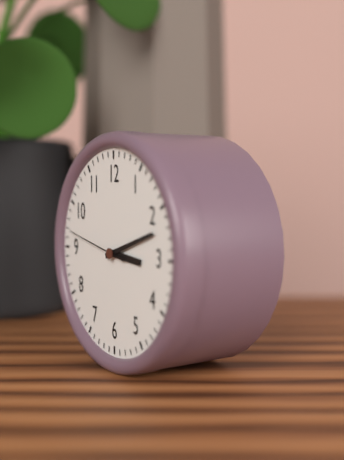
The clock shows h=3 m=12 s=47
